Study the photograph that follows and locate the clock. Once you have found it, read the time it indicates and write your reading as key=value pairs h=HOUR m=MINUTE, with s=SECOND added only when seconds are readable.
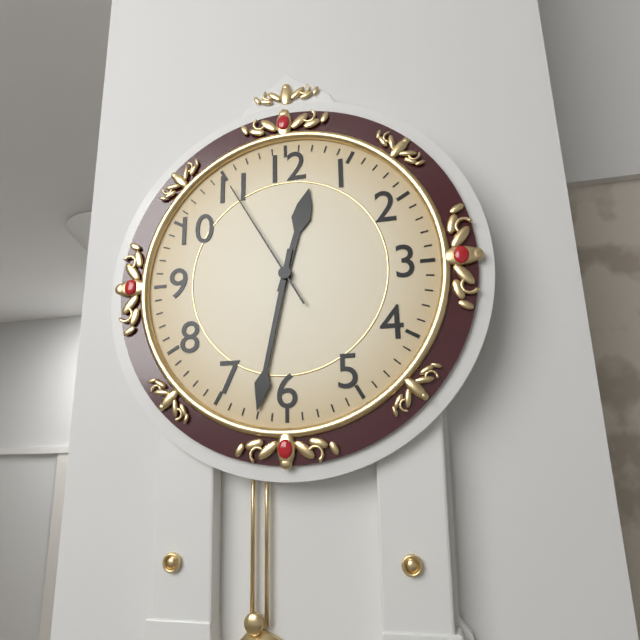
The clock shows h=12 m=32 s=55
